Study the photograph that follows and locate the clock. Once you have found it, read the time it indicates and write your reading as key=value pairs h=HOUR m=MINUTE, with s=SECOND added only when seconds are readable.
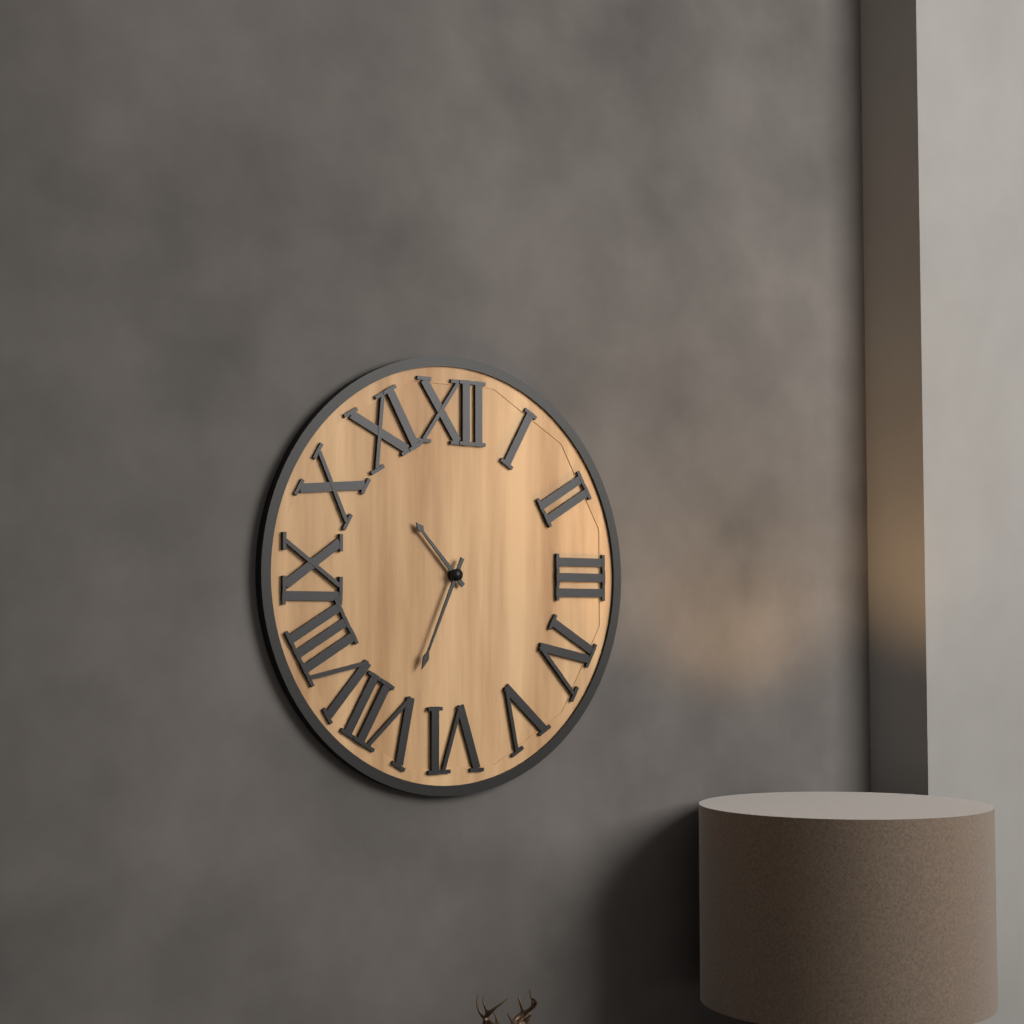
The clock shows h=10 m=34
